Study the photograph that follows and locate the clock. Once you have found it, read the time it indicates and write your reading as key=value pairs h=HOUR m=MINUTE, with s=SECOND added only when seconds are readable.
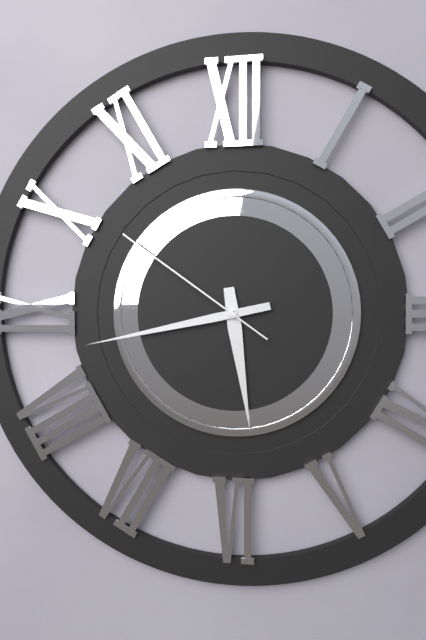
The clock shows h=5 m=43 s=51
